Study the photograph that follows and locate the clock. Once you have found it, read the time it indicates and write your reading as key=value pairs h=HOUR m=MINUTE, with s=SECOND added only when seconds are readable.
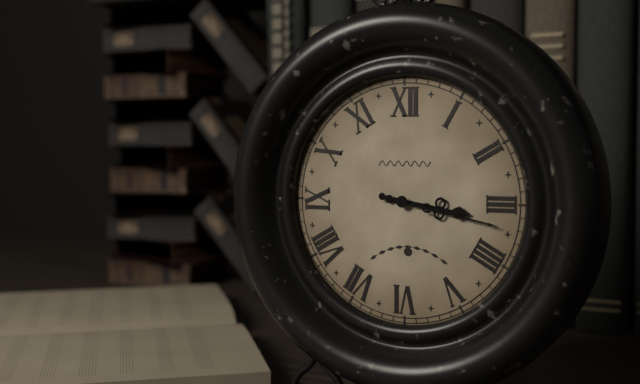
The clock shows h=3 m=17
